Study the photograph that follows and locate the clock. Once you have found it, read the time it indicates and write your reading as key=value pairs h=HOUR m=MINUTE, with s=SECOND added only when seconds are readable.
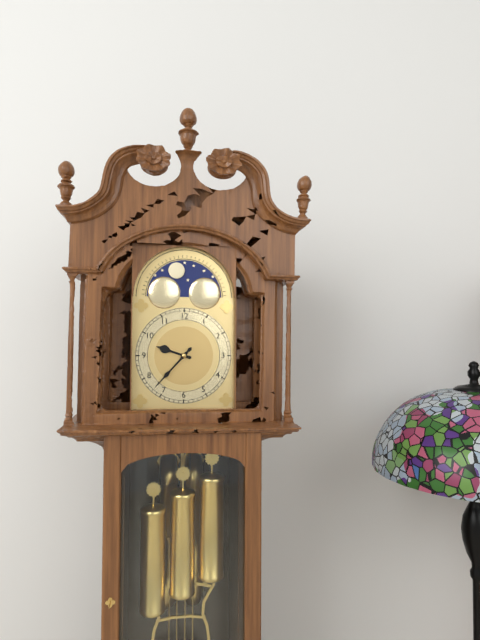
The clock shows h=9 m=37
